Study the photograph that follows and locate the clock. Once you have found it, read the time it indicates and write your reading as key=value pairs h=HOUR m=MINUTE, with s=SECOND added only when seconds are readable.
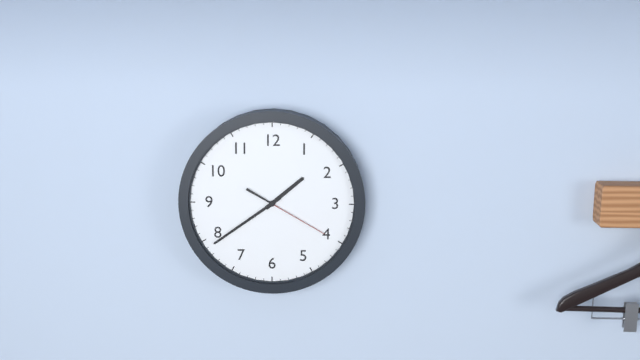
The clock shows h=1 m=39 s=20
